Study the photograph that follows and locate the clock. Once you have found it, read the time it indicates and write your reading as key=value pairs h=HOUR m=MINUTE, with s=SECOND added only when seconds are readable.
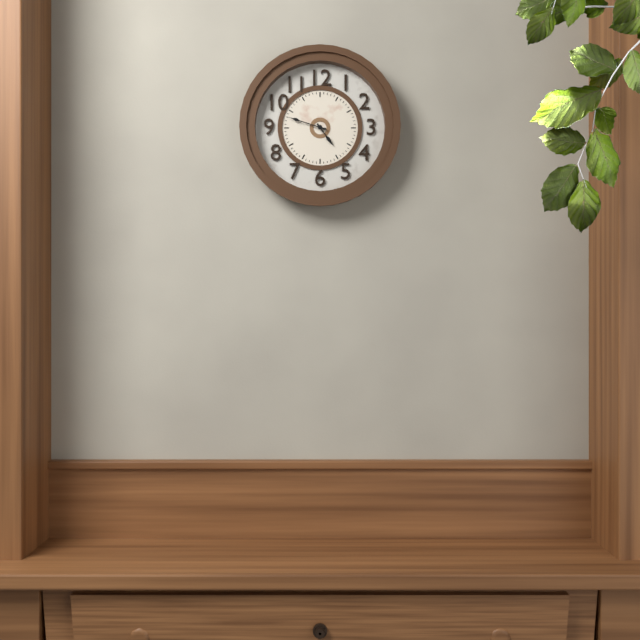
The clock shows h=4 m=48
